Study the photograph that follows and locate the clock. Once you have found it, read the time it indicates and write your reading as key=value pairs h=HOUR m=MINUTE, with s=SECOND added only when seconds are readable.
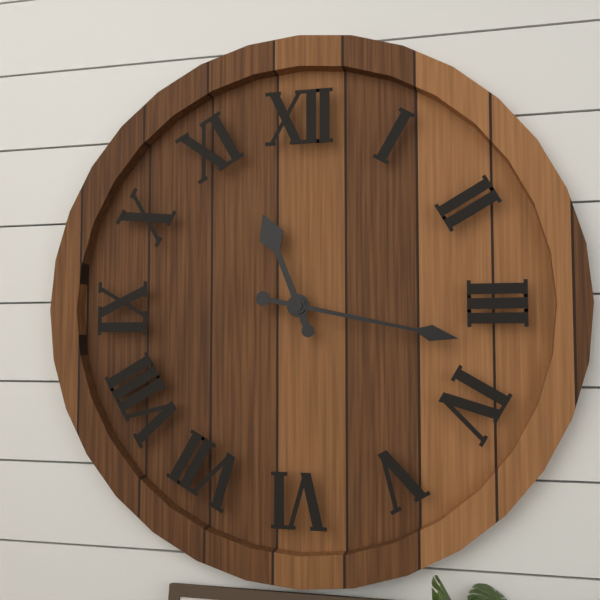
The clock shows h=11 m=17
